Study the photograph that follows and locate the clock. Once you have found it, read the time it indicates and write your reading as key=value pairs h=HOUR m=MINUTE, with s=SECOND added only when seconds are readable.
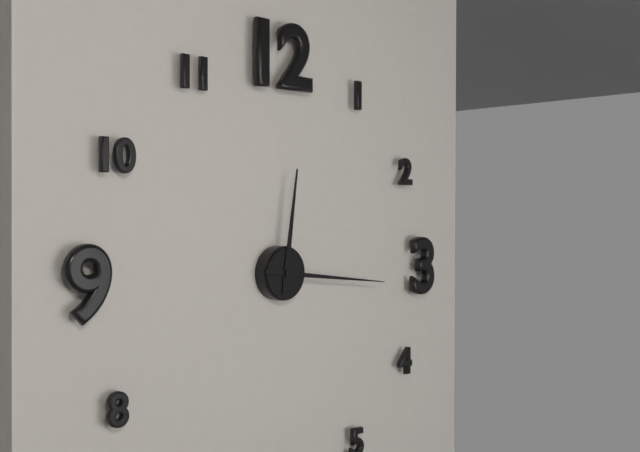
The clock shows h=12 m=16
